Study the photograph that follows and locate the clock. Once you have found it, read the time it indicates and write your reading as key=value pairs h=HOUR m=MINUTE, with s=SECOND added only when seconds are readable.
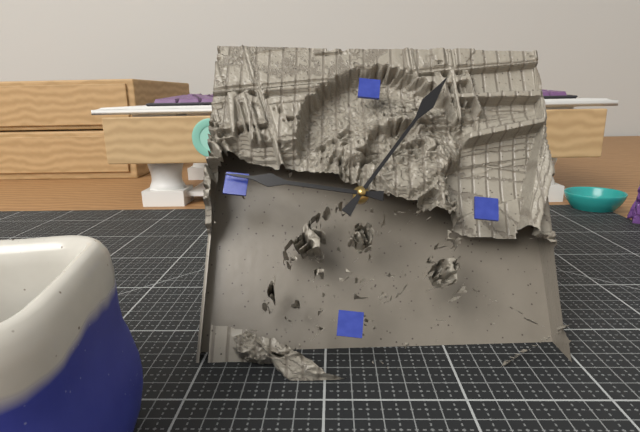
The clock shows h=9 m=5
